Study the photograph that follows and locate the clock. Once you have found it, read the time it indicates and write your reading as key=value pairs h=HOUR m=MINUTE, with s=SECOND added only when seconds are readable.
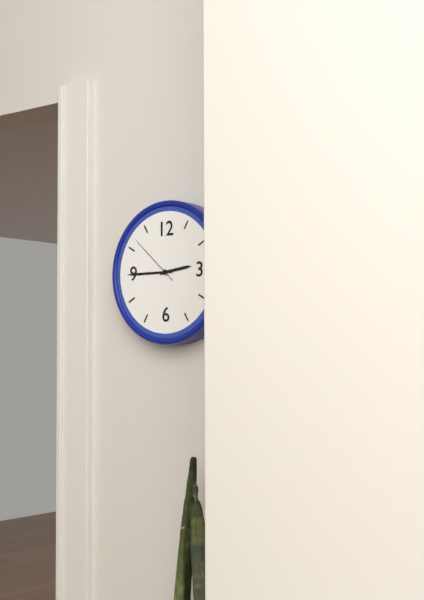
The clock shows h=2 m=45 s=52
